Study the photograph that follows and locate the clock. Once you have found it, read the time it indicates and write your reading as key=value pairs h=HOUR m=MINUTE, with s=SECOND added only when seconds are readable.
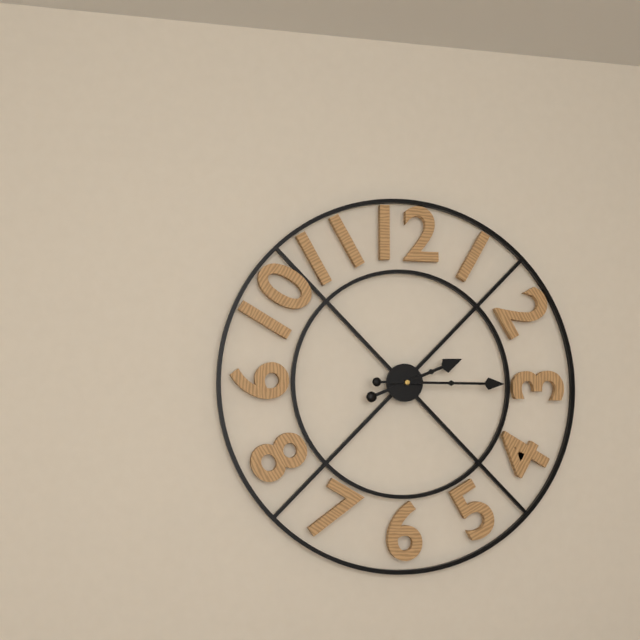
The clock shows h=2 m=15
